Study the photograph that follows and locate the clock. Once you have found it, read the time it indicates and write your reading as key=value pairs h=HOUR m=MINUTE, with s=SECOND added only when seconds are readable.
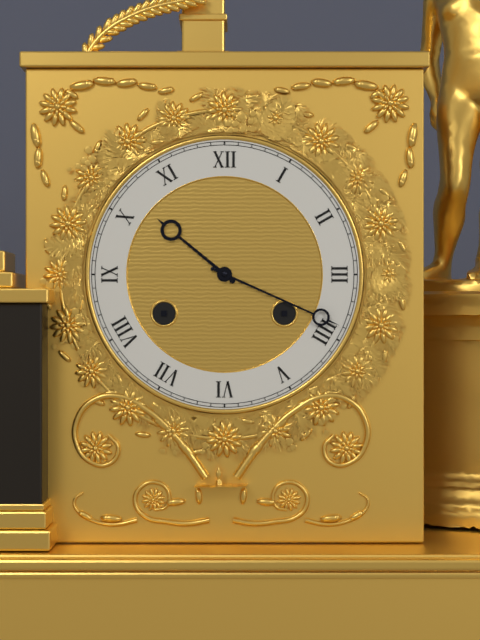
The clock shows h=10 m=19
